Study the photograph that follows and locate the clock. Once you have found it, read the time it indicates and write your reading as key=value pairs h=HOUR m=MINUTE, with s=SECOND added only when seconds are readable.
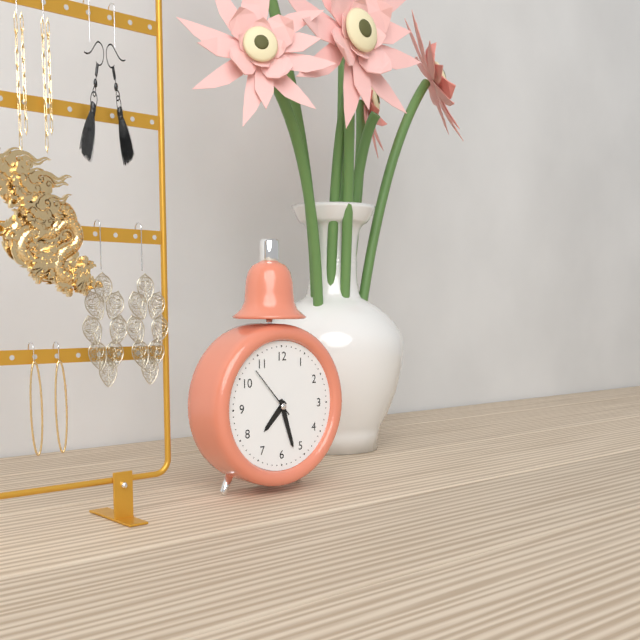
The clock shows h=7 m=27 s=53
